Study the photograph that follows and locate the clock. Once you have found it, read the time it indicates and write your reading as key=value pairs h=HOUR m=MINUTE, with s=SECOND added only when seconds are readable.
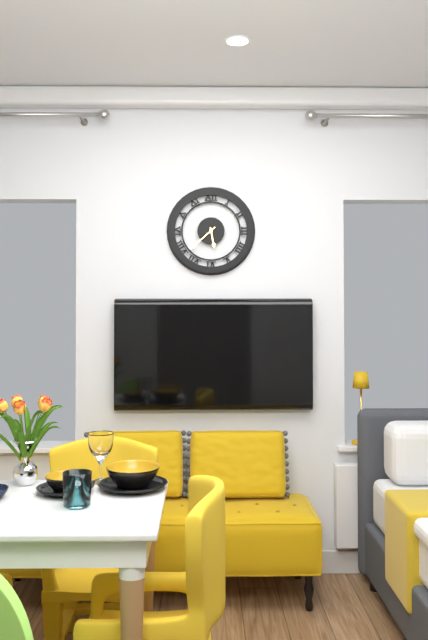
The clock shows h=5 m=38
